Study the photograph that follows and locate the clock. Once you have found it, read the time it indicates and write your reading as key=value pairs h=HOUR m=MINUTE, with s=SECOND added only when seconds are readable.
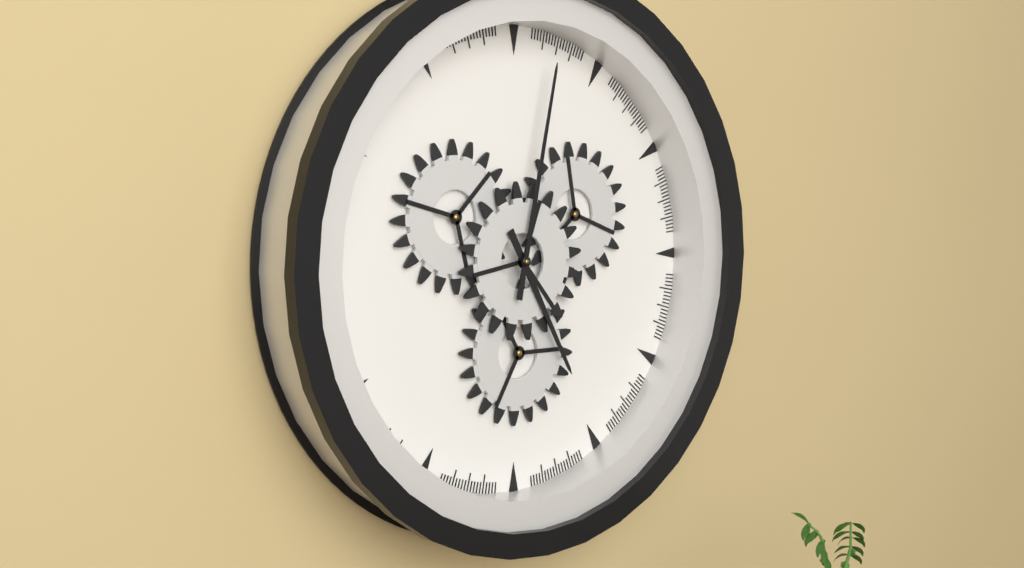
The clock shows h=5 m=2
